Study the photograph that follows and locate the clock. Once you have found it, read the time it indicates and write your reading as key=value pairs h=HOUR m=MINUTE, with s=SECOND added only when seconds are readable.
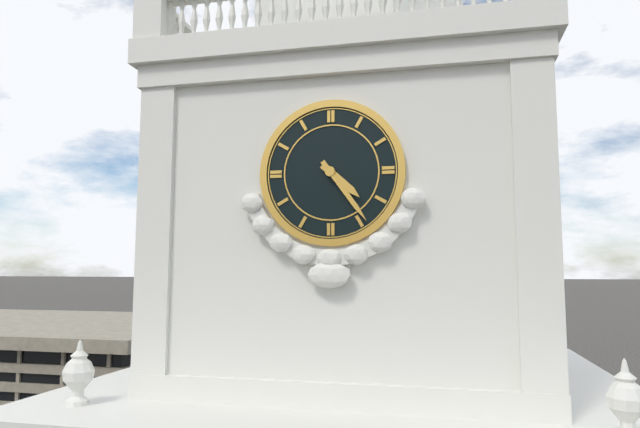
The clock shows h=4 m=24
